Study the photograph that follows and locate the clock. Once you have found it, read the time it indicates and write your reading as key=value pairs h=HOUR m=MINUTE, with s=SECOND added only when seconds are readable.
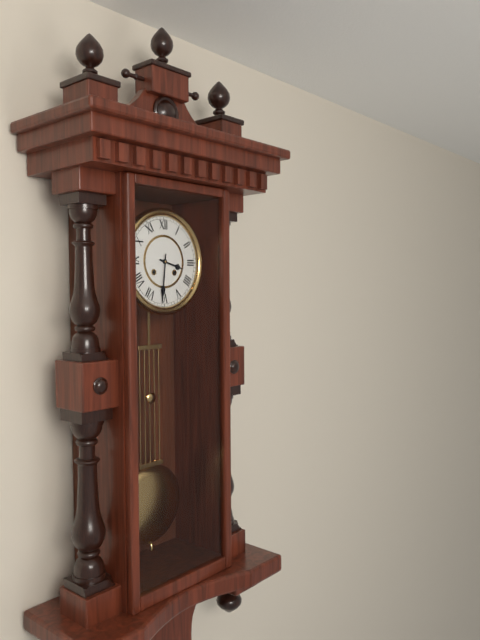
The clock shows h=3 m=31
